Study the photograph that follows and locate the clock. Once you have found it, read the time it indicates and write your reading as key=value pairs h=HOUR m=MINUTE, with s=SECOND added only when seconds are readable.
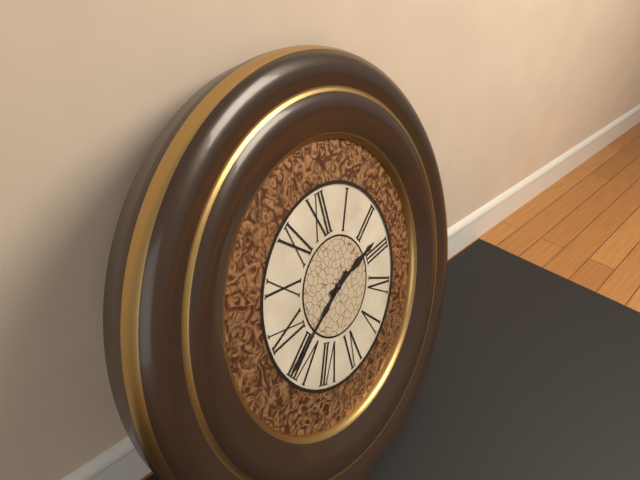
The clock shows h=2 m=41
